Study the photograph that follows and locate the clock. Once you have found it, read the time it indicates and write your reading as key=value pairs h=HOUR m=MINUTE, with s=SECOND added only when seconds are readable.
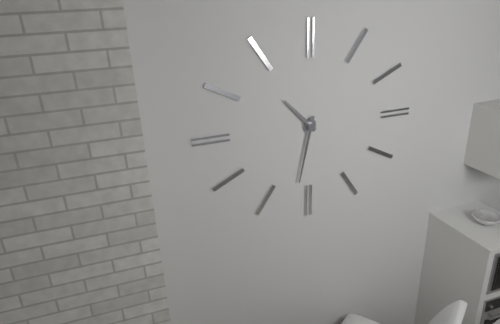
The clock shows h=10 m=32
